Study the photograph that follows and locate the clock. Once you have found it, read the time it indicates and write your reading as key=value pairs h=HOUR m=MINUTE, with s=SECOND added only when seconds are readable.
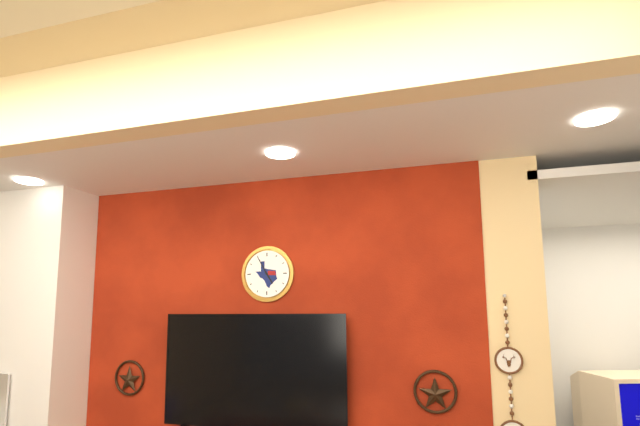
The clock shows h=4 m=55
